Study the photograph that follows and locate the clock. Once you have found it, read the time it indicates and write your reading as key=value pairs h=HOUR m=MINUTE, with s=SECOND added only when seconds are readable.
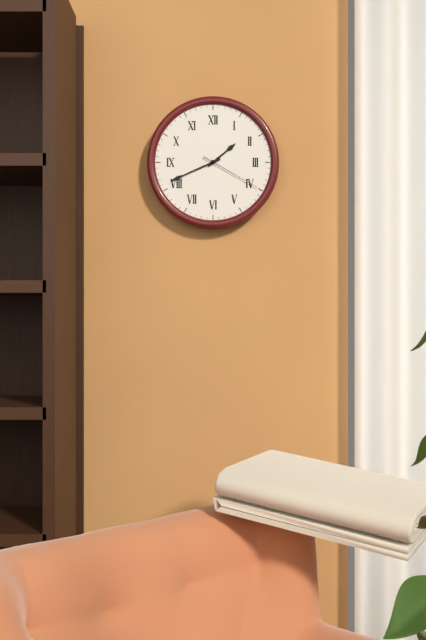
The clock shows h=1 m=41 s=20
